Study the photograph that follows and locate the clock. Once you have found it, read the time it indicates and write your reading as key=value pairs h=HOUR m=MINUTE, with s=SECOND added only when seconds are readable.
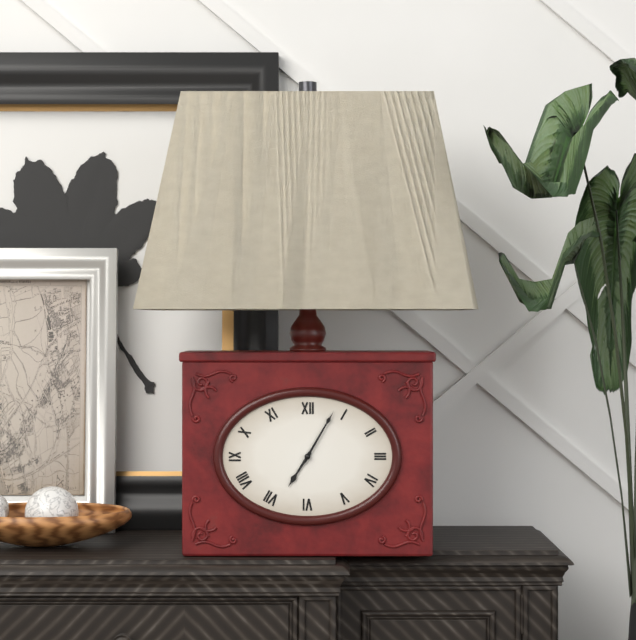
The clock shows h=7 m=5
